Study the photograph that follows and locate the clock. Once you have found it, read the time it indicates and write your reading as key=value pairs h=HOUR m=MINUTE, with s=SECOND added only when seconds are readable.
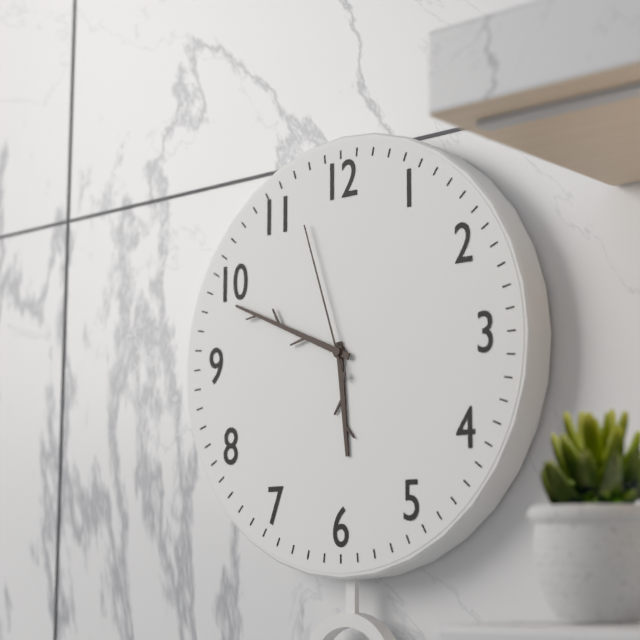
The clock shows h=5 m=49 s=57
